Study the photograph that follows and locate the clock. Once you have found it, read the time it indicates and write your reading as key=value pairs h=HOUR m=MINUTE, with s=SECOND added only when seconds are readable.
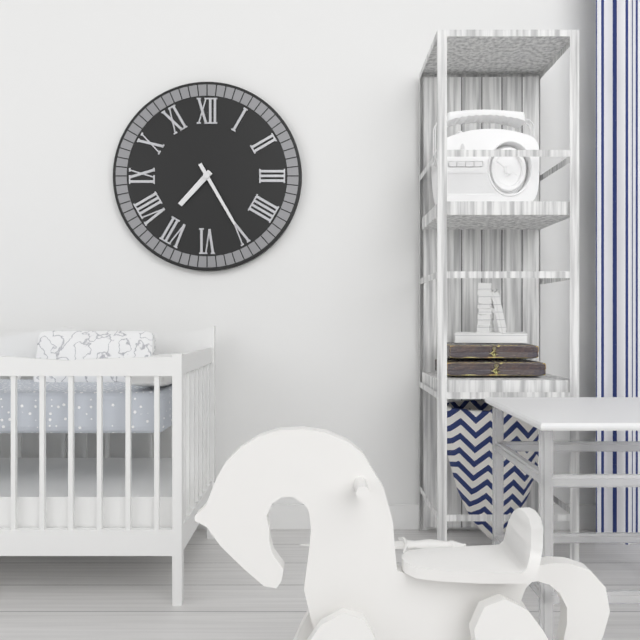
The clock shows h=7 m=25
